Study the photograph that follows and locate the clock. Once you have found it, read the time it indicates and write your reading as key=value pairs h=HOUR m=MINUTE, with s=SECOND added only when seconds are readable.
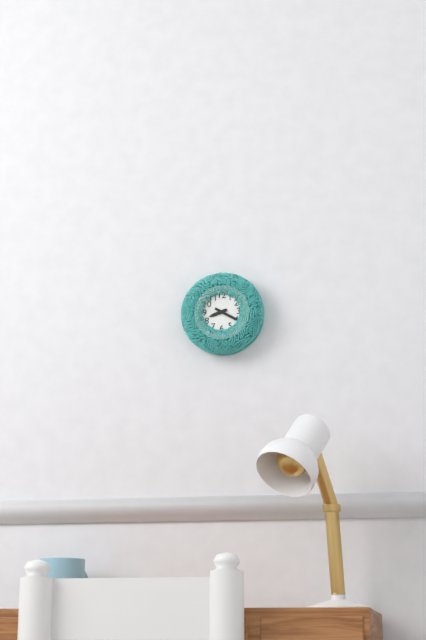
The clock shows h=8 m=20
